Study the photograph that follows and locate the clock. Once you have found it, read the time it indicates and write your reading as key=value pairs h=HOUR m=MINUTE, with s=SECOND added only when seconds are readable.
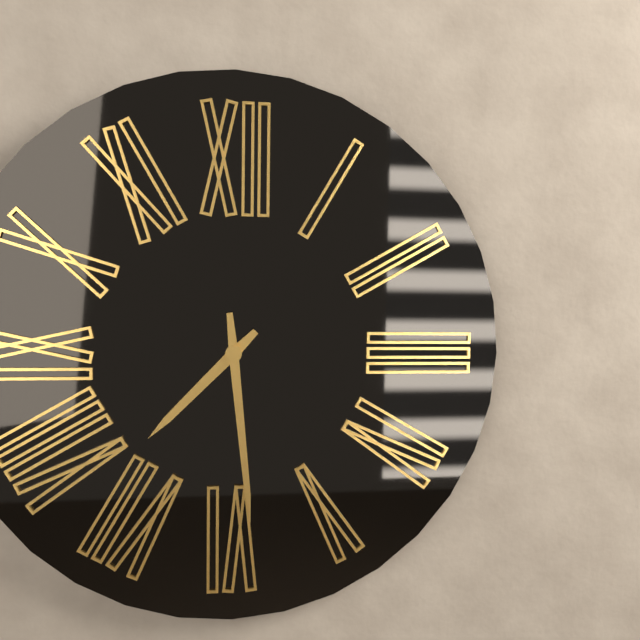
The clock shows h=7 m=29
